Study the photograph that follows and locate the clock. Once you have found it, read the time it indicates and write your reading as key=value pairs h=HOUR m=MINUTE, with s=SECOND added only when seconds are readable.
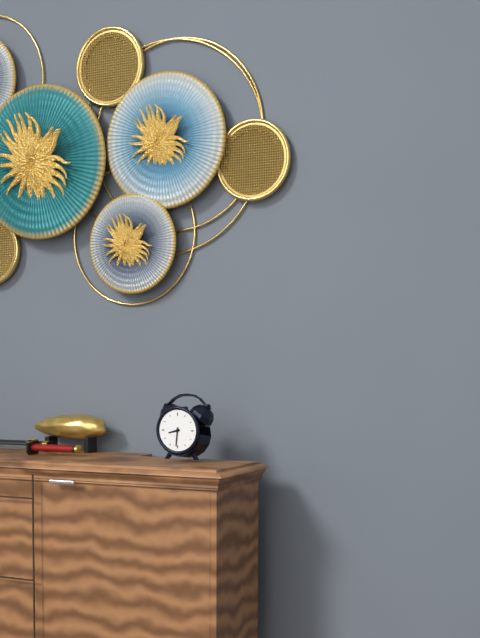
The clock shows h=8 m=31
